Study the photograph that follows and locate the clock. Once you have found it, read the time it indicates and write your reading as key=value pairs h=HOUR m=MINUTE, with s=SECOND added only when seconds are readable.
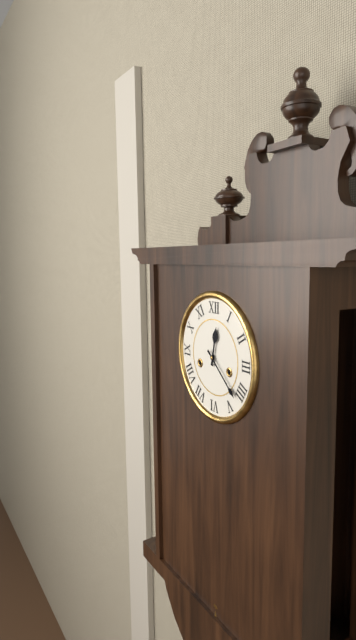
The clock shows h=12 m=22
